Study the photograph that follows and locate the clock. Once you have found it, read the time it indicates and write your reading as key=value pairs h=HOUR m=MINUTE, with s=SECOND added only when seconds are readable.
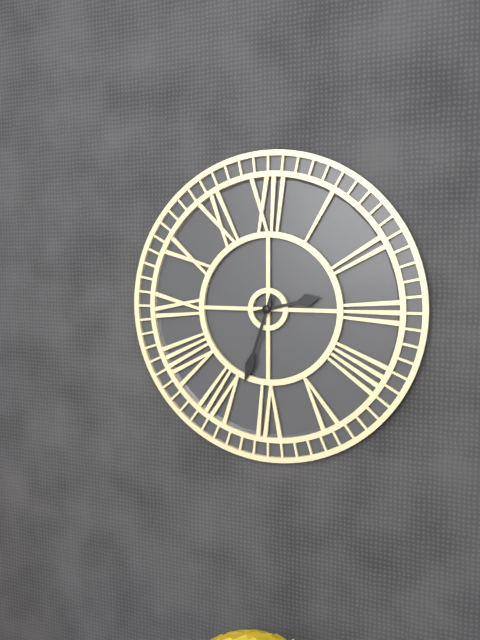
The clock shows h=2 m=33
